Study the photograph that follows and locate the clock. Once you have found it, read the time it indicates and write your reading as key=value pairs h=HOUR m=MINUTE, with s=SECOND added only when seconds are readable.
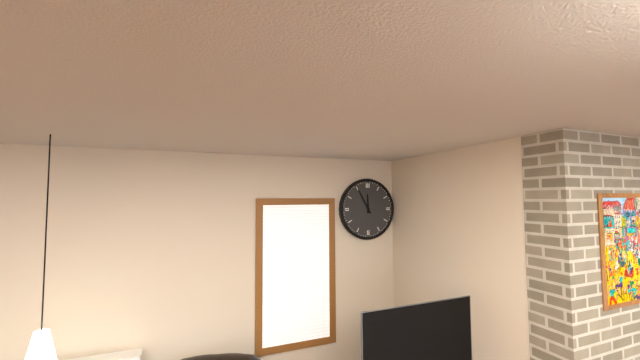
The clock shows h=11 m=55
